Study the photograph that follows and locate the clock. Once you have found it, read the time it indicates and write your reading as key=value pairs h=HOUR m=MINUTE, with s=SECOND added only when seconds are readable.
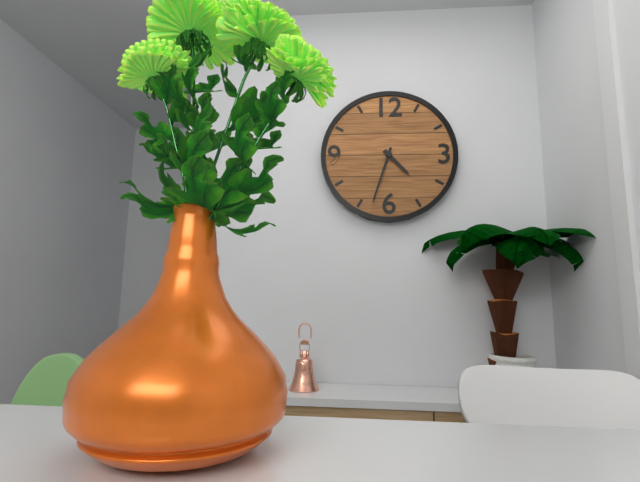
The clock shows h=4 m=33
